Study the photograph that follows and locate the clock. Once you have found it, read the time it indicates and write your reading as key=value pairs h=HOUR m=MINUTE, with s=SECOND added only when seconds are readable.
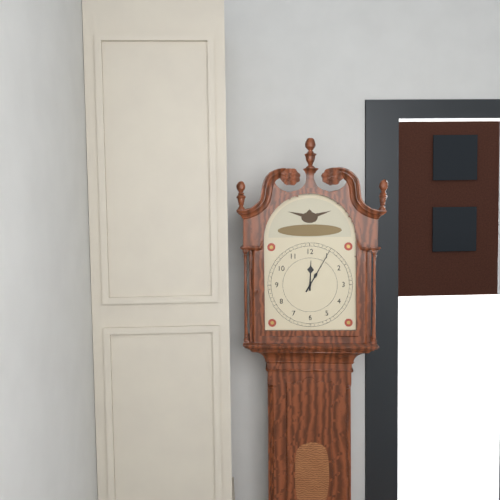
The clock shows h=12 m=5
